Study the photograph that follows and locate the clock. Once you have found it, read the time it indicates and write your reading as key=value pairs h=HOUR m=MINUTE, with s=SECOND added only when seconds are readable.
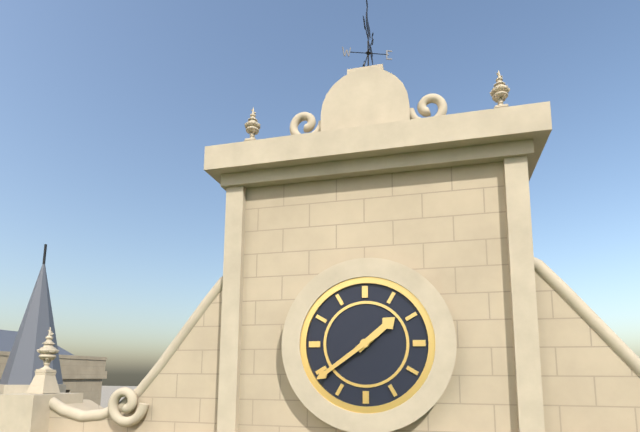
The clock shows h=1 m=39
